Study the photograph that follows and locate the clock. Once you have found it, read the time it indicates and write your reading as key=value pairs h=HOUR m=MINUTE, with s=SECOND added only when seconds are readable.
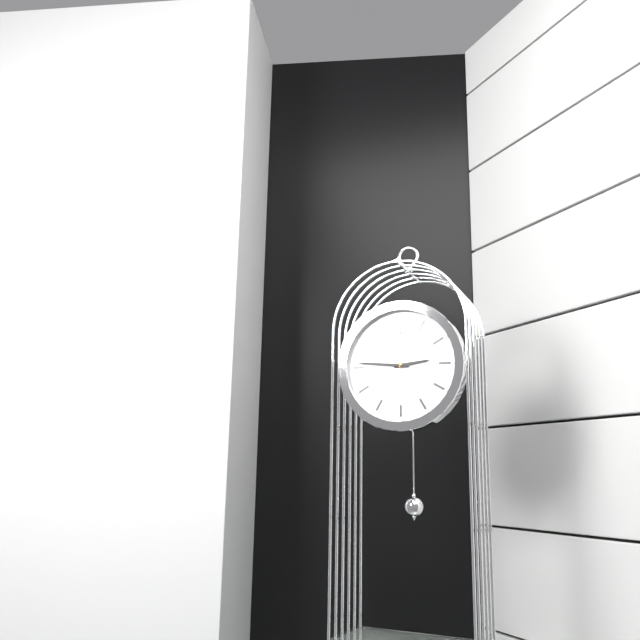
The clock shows h=2 m=46
